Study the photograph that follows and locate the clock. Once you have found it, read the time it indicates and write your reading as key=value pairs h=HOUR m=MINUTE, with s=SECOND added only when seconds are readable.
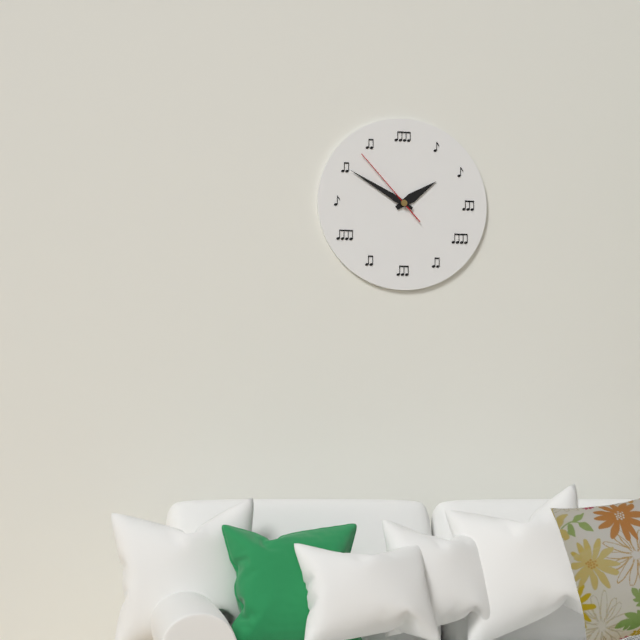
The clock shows h=1 m=50 s=53
